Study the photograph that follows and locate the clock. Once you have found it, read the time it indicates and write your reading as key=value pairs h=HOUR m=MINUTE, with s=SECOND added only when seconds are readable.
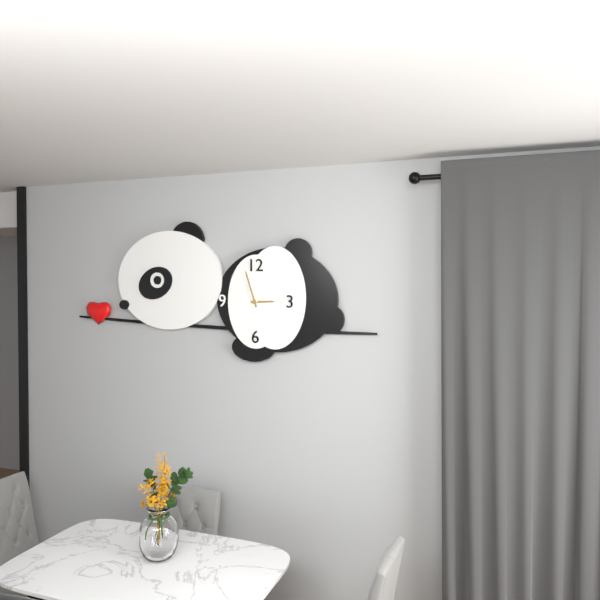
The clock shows h=2 m=57
